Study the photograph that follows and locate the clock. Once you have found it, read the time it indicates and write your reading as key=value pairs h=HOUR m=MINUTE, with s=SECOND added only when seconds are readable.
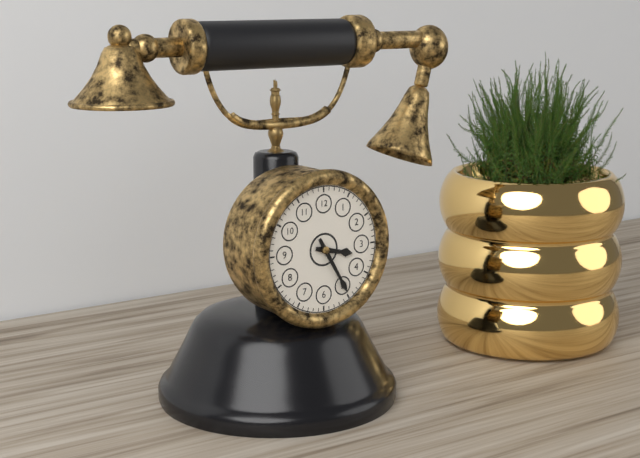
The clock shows h=3 m=25
